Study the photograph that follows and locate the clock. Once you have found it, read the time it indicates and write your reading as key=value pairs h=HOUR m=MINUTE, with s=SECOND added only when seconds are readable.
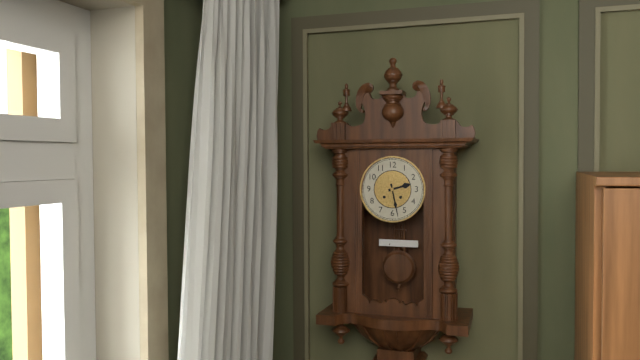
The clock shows h=2 m=28
